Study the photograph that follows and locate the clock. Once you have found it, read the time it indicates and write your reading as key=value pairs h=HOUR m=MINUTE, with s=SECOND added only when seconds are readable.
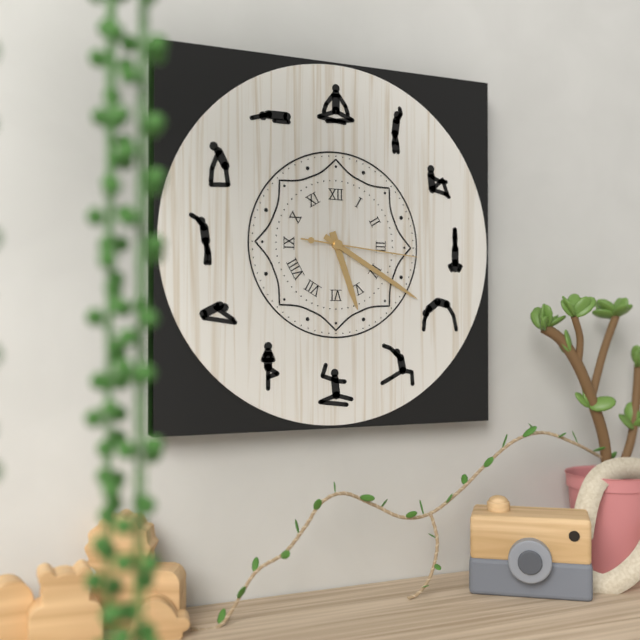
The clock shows h=5 m=20 s=16
